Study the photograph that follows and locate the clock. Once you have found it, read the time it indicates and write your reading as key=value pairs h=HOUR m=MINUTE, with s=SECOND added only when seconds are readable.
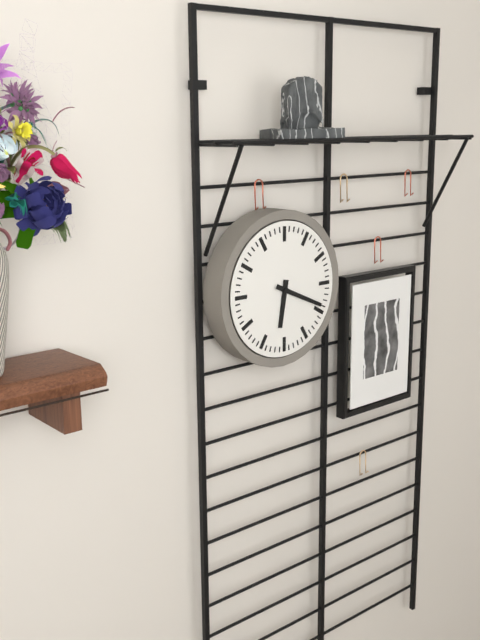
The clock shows h=6 m=19
